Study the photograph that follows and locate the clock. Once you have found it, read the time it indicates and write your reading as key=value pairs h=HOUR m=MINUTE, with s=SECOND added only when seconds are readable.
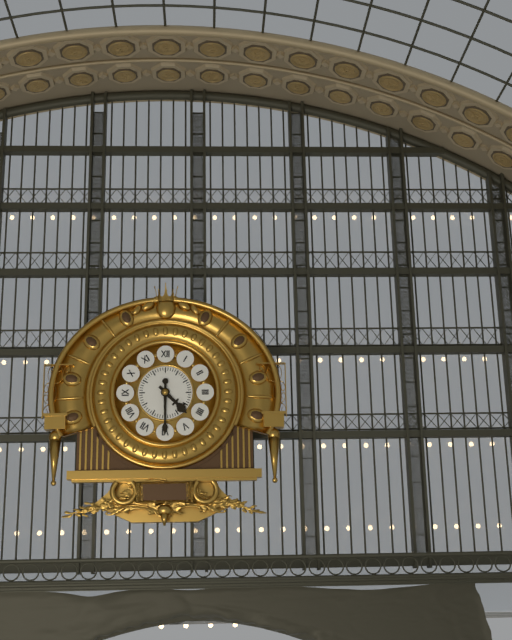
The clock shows h=4 m=30
